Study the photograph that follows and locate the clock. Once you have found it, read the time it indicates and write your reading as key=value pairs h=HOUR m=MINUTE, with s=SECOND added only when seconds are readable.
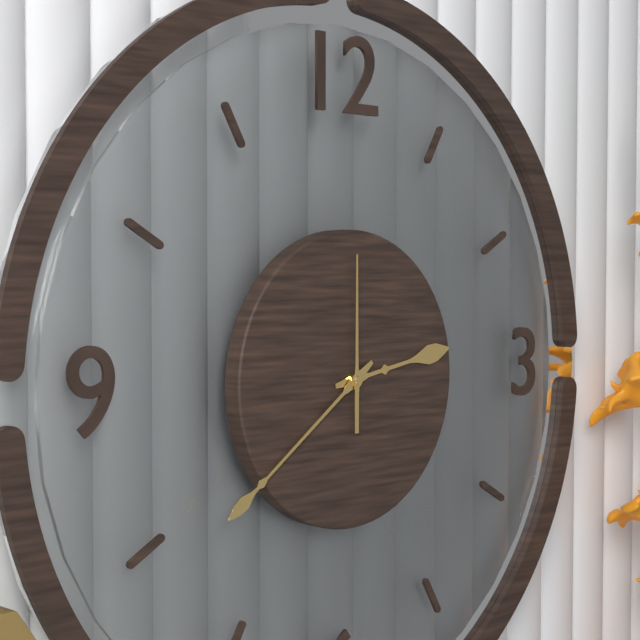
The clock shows h=2 m=39 s=0
